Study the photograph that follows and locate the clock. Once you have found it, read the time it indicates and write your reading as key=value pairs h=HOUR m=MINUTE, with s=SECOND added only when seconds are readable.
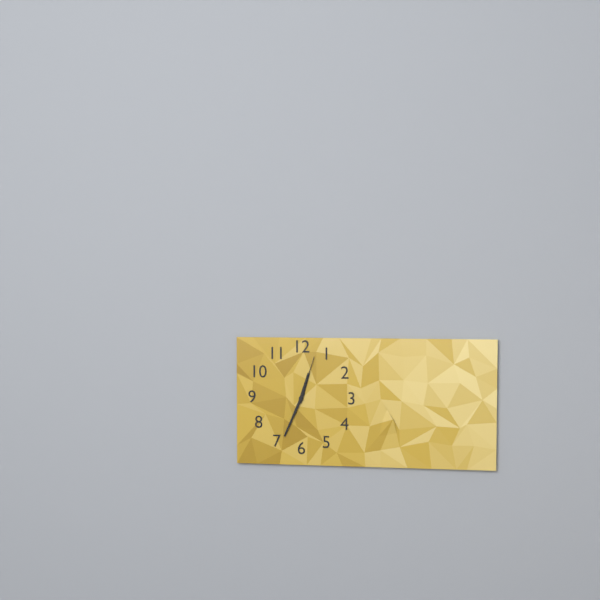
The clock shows h=12 m=34 s=3
